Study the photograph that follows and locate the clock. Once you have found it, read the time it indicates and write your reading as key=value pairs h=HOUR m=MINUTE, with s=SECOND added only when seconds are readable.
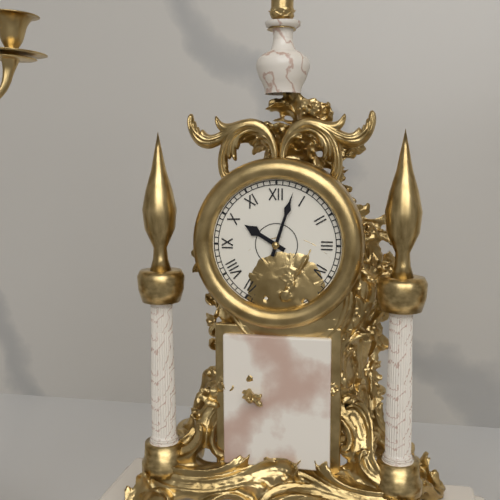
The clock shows h=10 m=3
